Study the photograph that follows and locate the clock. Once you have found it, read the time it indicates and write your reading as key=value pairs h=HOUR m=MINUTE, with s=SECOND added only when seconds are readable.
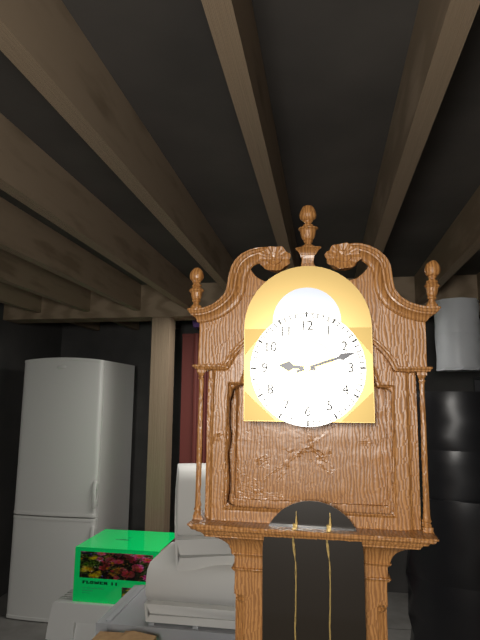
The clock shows h=9 m=12
